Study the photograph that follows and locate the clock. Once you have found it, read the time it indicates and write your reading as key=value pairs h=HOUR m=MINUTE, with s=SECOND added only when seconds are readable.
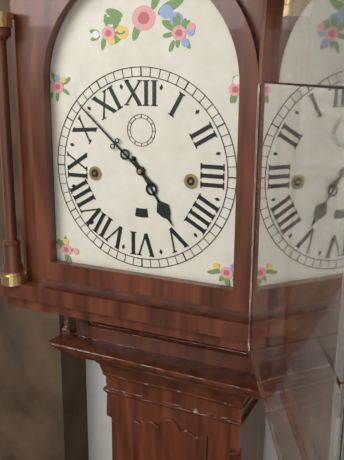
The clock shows h=4 m=52
